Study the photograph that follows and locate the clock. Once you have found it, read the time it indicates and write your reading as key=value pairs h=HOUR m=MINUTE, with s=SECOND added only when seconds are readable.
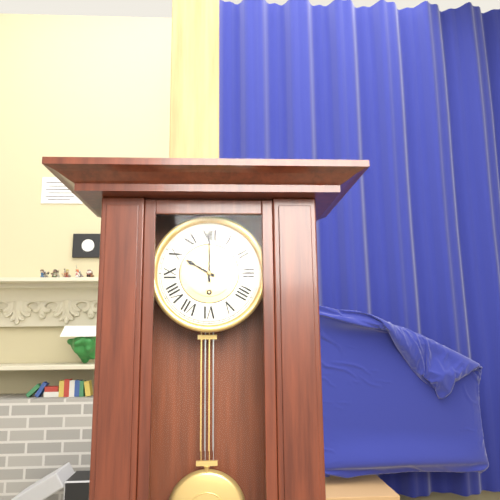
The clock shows h=10 m=0
